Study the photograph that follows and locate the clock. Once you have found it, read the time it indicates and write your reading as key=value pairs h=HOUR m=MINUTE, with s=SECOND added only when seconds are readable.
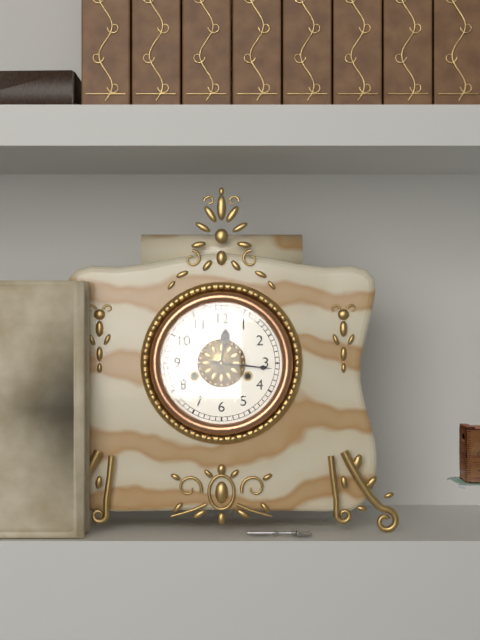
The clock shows h=12 m=16
